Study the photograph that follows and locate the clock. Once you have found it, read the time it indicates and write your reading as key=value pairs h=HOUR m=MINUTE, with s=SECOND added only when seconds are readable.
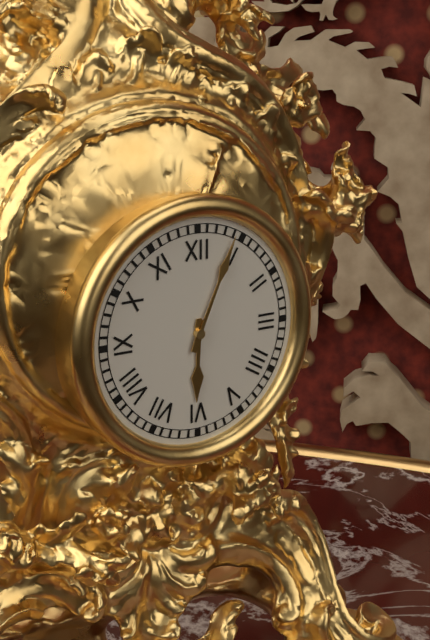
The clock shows h=6 m=4
